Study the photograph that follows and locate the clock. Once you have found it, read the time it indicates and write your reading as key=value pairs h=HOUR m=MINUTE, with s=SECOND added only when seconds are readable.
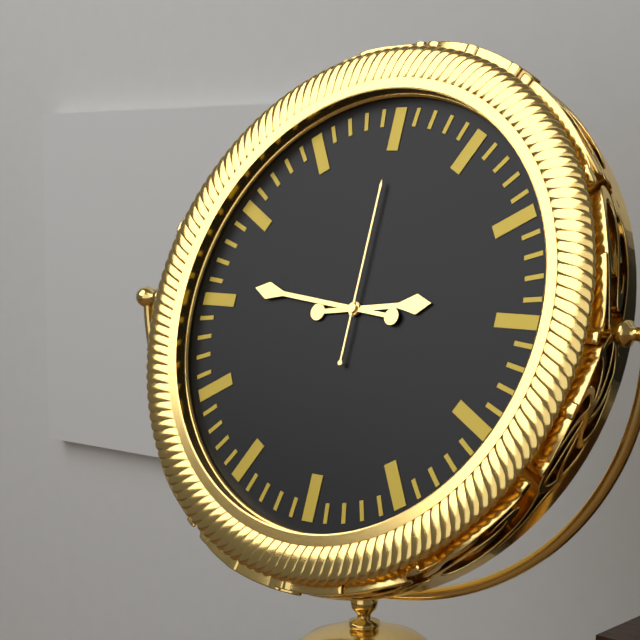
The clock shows h=2 m=46 s=0
